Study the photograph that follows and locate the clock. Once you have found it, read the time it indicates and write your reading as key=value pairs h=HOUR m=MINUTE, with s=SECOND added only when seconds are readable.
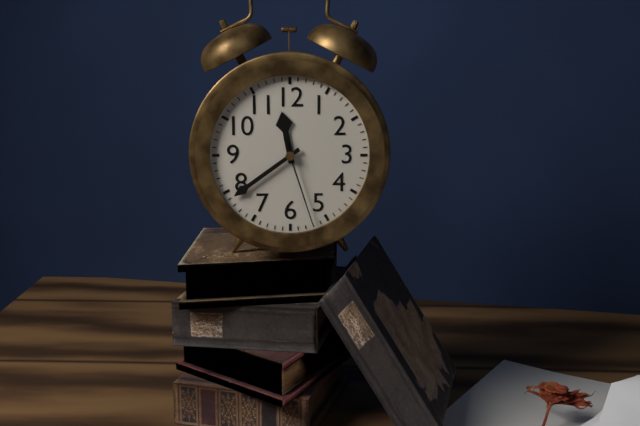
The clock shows h=11 m=39 s=27
